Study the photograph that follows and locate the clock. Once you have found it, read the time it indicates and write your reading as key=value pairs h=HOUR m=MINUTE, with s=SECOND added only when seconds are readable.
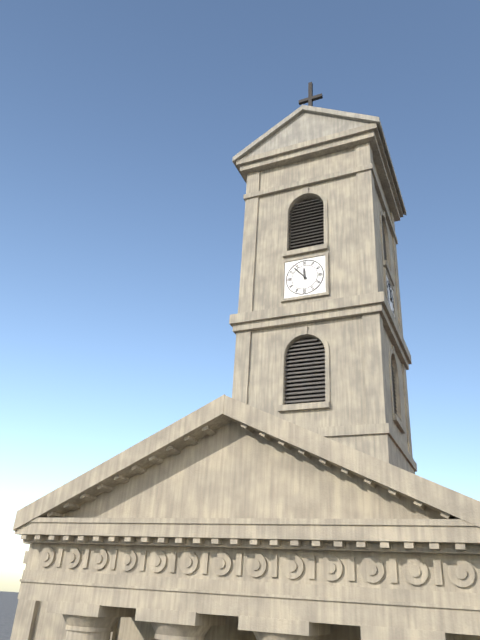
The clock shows h=11 m=53
